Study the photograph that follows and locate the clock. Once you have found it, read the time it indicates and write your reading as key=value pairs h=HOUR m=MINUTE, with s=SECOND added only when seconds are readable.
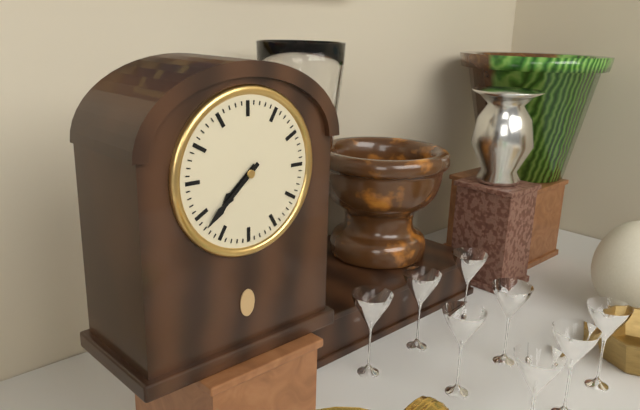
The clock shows h=7 m=38
